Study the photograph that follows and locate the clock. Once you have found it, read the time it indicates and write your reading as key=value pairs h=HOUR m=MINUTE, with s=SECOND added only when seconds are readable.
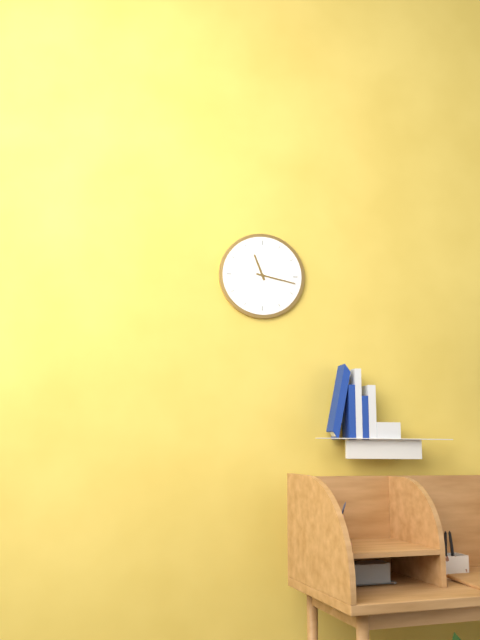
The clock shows h=11 m=17
